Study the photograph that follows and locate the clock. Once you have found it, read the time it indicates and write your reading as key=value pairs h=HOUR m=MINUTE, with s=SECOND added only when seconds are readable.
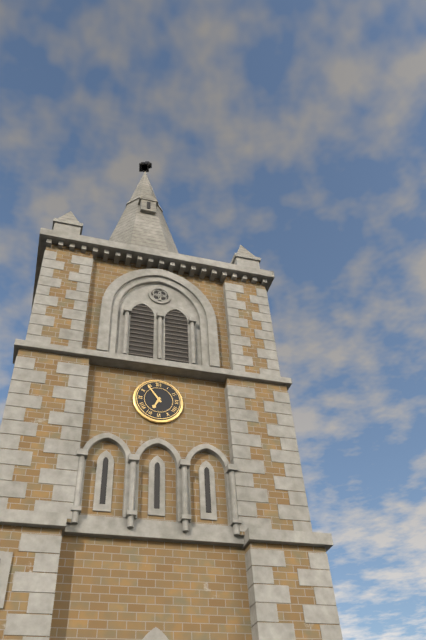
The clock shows h=6 m=54
